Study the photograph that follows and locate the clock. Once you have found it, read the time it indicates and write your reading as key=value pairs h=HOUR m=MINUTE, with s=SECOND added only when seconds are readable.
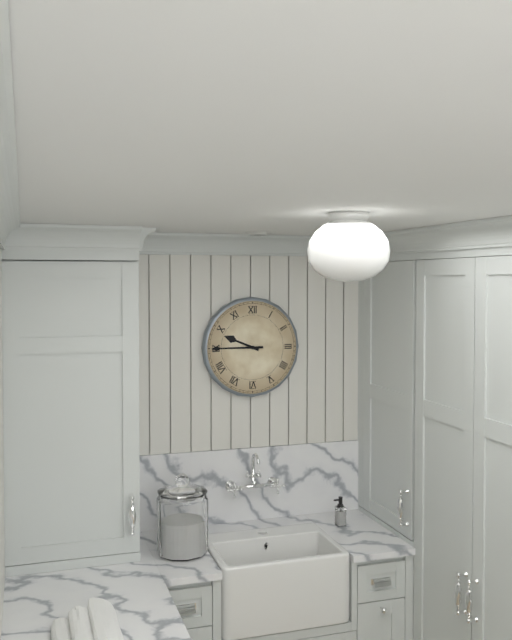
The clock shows h=9 m=45
